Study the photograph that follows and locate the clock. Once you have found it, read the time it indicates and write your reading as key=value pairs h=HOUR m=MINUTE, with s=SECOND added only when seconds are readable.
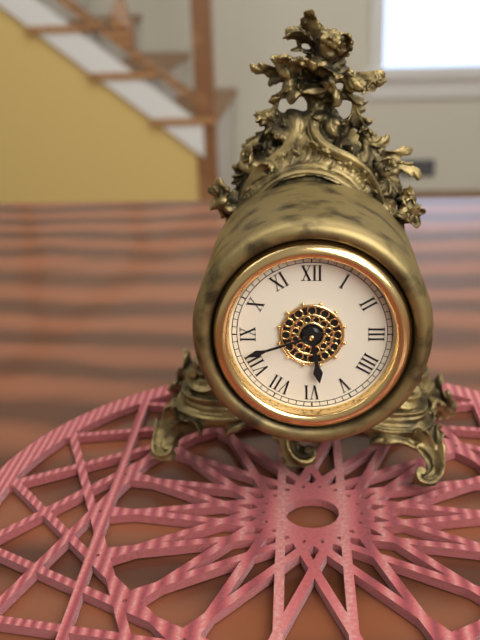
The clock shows h=5 m=42
